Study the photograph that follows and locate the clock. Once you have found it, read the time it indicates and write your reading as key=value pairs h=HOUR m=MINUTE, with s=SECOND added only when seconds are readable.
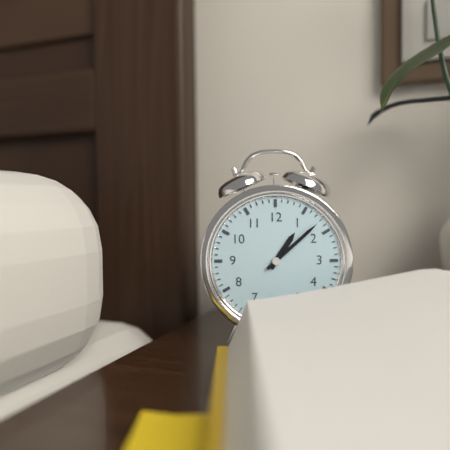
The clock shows h=1 m=8
